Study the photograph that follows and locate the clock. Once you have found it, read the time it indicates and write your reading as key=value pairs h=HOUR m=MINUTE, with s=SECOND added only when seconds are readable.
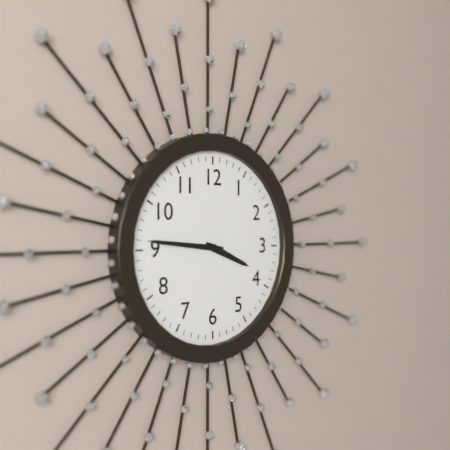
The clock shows h=3 m=46
